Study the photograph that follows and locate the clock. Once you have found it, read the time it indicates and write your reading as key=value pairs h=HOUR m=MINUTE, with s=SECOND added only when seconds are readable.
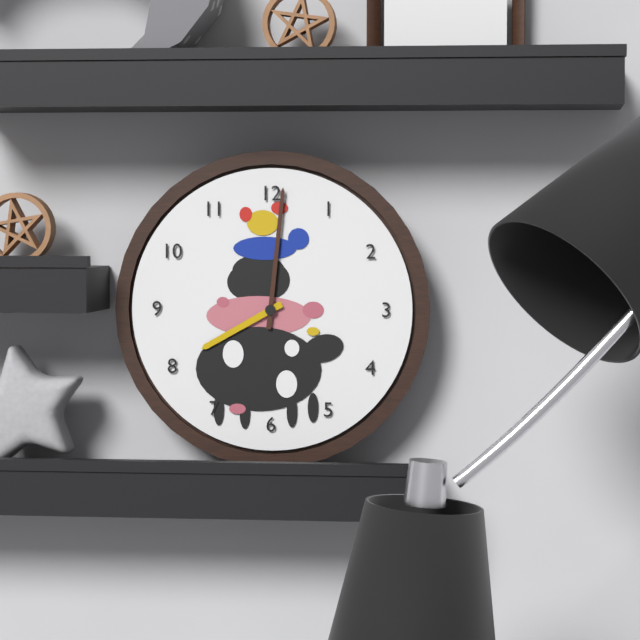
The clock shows h=8 m=1
